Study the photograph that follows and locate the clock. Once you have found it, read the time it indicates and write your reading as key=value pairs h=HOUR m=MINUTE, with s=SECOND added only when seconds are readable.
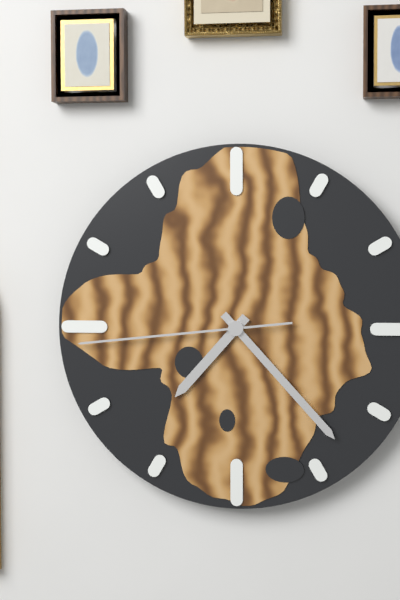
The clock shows h=7 m=23 s=44
